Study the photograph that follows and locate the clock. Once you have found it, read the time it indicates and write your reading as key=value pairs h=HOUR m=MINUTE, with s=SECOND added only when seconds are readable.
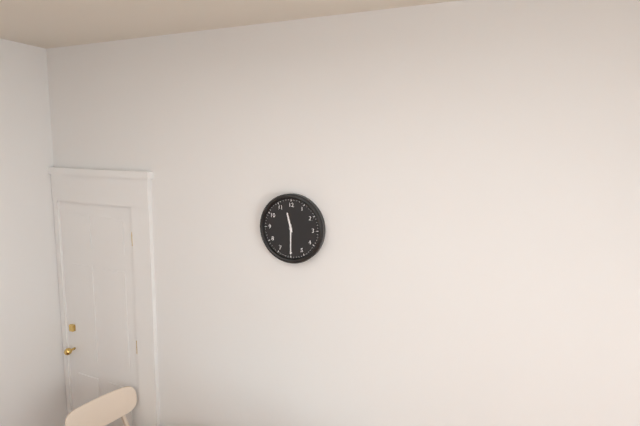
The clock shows h=11 m=30
